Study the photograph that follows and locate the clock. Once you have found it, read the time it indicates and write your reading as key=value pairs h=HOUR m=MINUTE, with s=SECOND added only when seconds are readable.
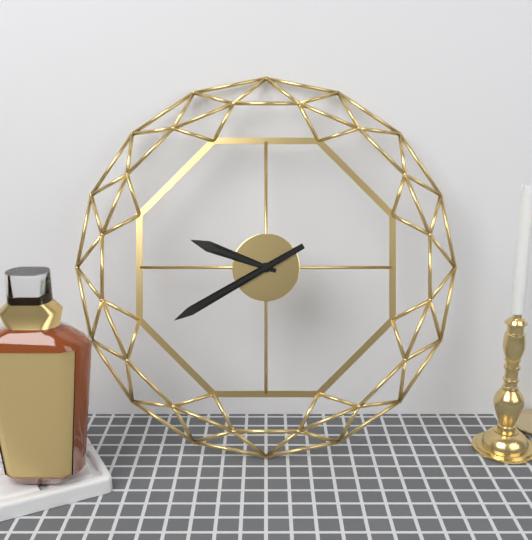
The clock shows h=9 m=40
